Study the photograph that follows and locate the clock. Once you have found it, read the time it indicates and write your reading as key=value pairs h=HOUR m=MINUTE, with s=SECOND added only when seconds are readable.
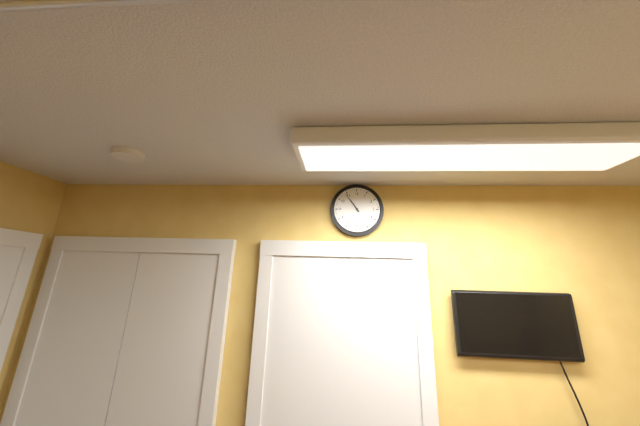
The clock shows h=10 m=54
